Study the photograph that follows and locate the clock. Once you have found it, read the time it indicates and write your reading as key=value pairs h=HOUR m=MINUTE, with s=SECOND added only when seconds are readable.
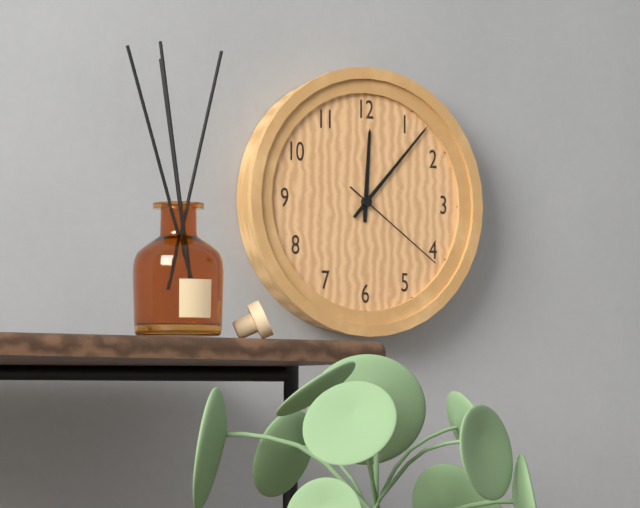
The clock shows h=12 m=7 s=21
